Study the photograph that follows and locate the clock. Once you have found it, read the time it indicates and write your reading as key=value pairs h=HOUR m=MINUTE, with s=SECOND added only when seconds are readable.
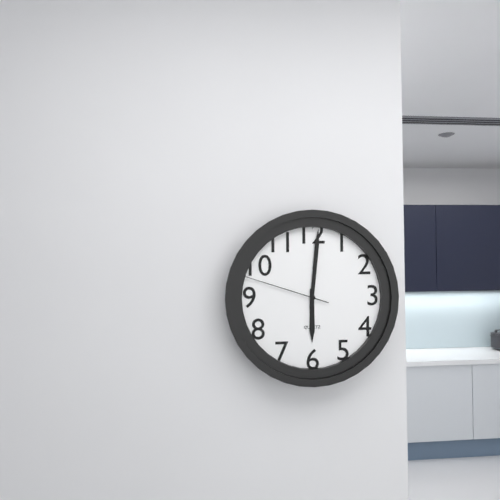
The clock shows h=6 m=1 s=48
